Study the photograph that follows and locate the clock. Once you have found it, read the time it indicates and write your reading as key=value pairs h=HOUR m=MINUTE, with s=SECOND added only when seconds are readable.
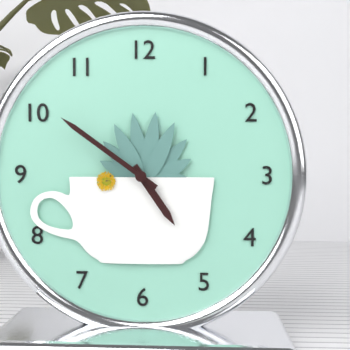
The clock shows h=4 m=51
